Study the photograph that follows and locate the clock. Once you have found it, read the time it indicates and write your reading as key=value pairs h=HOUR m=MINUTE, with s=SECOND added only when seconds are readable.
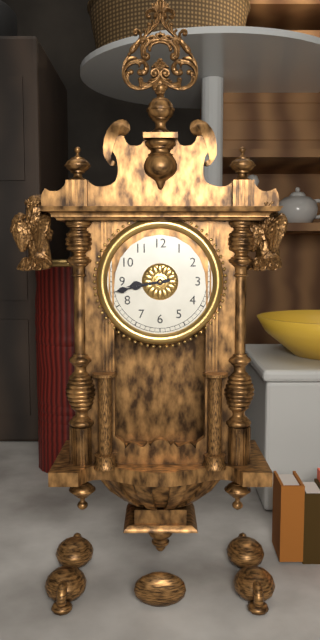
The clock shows h=8 m=43
